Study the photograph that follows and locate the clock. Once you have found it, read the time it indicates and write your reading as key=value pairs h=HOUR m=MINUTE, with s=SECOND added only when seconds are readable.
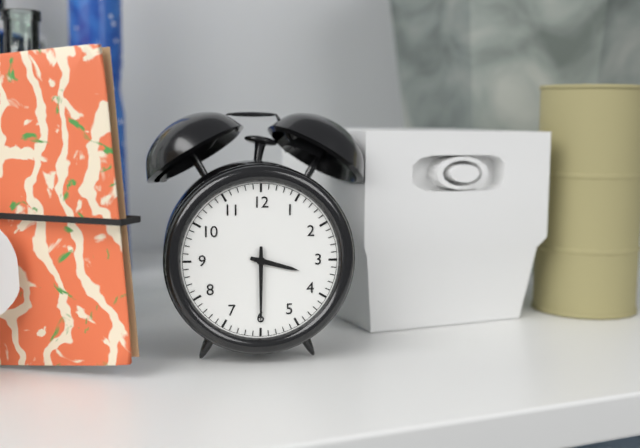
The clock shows h=3 m=30
